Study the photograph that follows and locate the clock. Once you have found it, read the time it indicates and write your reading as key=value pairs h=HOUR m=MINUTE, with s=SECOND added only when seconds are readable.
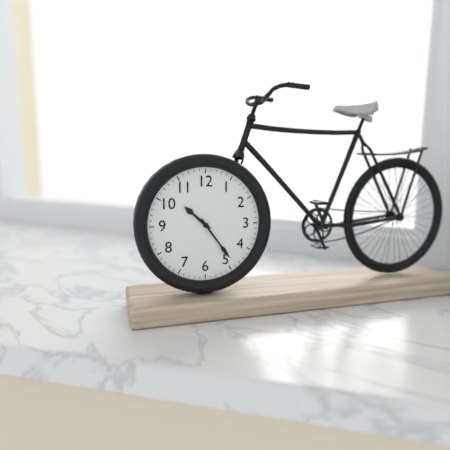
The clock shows h=10 m=24
